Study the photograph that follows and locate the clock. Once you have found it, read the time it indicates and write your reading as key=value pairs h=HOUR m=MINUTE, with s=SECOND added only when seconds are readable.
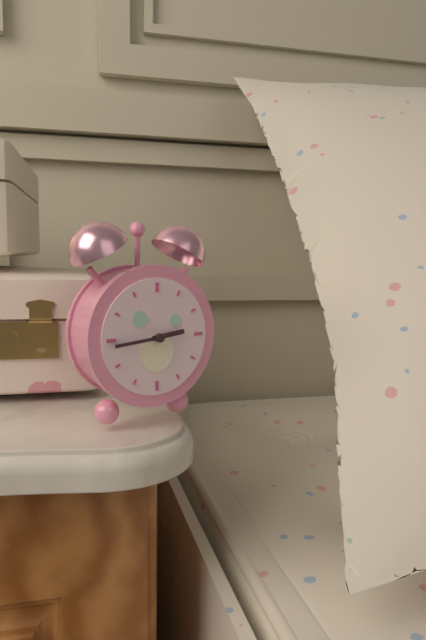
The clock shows h=2 m=44
